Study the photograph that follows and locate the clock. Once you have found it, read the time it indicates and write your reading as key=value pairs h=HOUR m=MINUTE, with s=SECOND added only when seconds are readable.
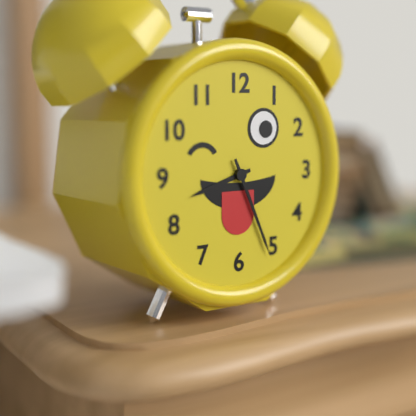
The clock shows h=8 m=26
